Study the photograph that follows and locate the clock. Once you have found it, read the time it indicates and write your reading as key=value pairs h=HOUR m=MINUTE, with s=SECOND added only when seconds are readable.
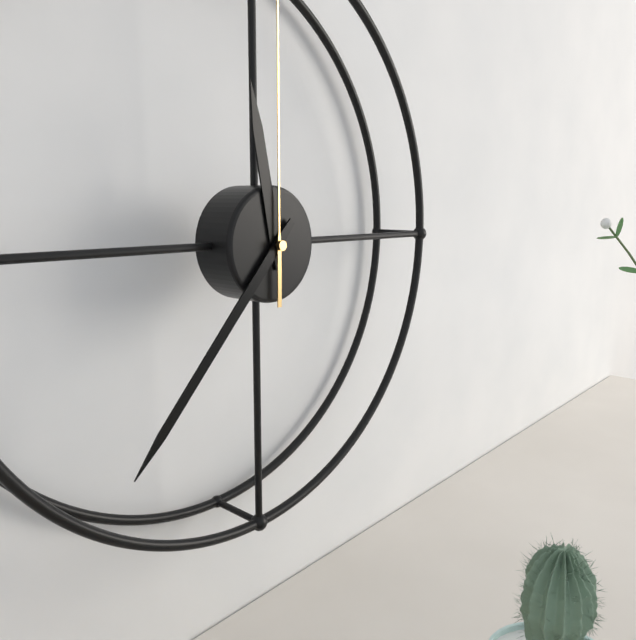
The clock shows h=11 m=37
